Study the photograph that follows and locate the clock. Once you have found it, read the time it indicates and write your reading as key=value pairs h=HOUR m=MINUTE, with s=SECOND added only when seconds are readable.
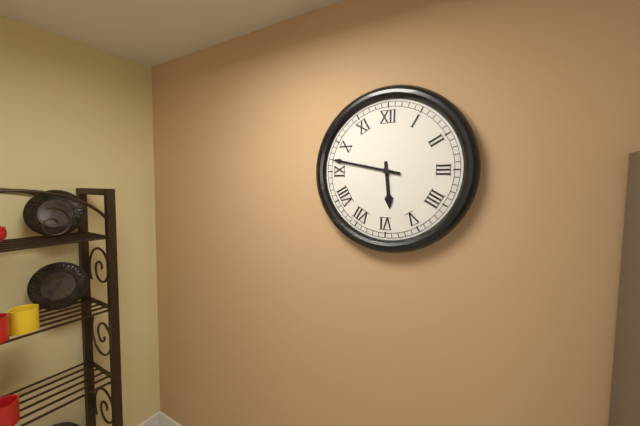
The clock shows h=5 m=47
